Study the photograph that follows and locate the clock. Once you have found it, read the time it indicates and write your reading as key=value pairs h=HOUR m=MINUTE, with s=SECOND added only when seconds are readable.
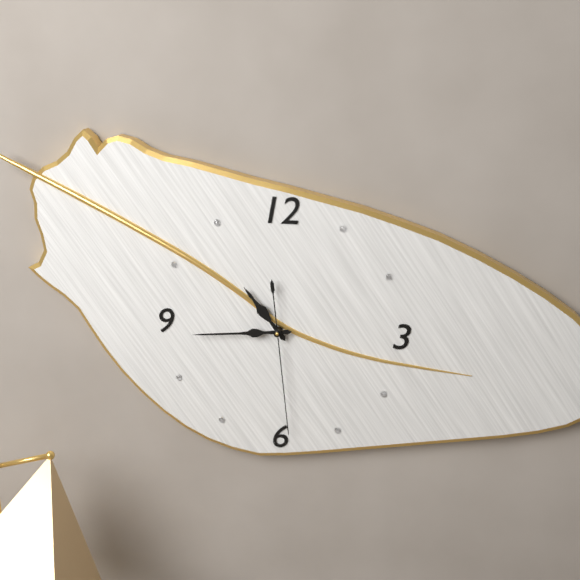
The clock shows h=10 m=44 s=29
